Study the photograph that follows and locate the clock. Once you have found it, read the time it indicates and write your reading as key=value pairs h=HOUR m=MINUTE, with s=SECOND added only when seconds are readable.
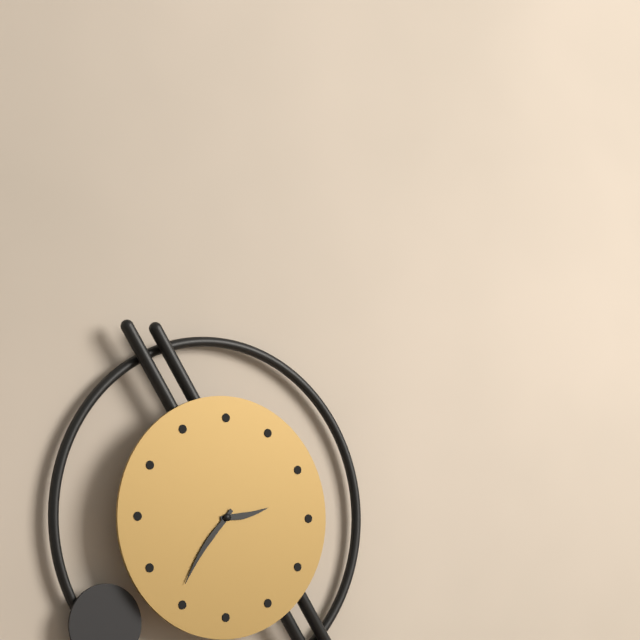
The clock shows h=2 m=36
